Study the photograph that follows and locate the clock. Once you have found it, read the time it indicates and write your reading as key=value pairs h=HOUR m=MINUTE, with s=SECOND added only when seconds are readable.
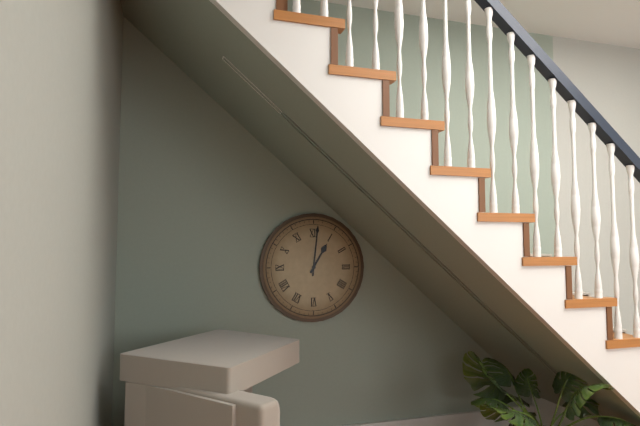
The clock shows h=1 m=1
